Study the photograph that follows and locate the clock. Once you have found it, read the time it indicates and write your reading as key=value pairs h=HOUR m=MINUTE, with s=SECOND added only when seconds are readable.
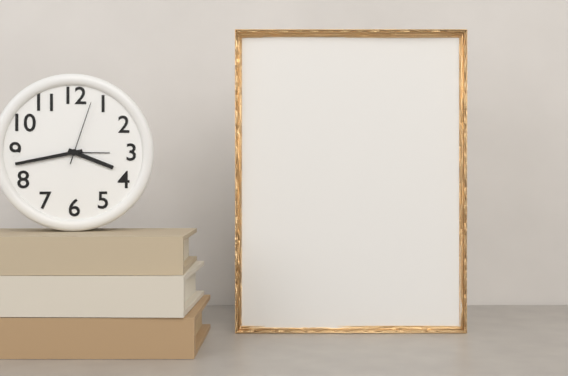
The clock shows h=3 m=43 s=3
